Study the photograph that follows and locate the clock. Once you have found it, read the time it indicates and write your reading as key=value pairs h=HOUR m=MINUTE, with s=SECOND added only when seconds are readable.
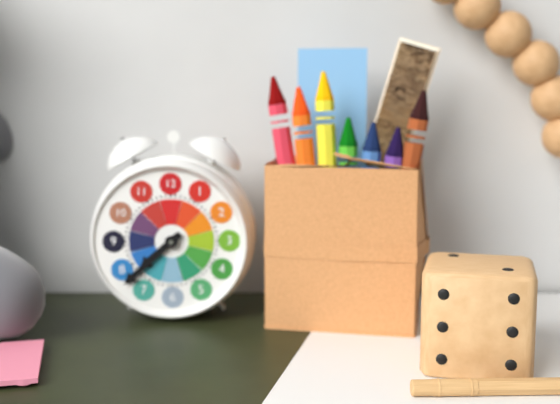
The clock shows h=7 m=38
